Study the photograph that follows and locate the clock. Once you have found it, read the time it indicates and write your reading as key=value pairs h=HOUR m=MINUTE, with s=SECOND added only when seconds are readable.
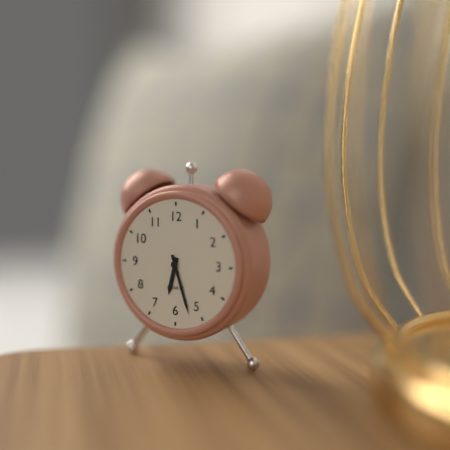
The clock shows h=6 m=27
